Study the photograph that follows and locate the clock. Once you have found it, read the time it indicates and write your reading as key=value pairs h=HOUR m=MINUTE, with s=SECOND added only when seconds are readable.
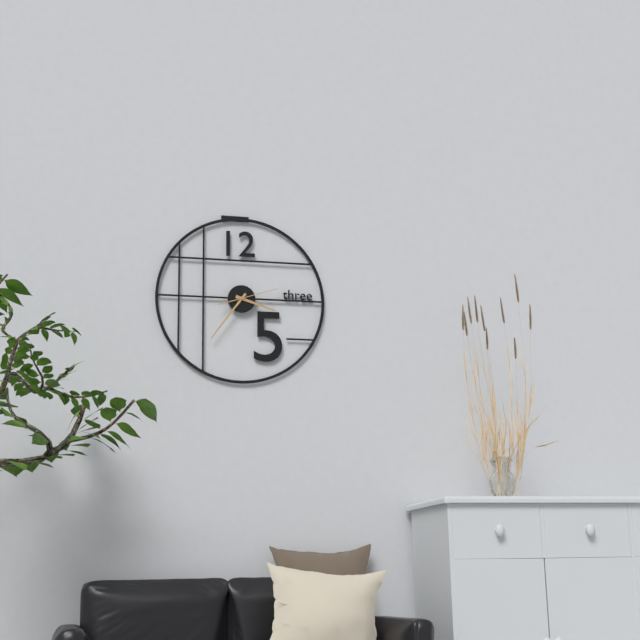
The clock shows h=3 m=36
